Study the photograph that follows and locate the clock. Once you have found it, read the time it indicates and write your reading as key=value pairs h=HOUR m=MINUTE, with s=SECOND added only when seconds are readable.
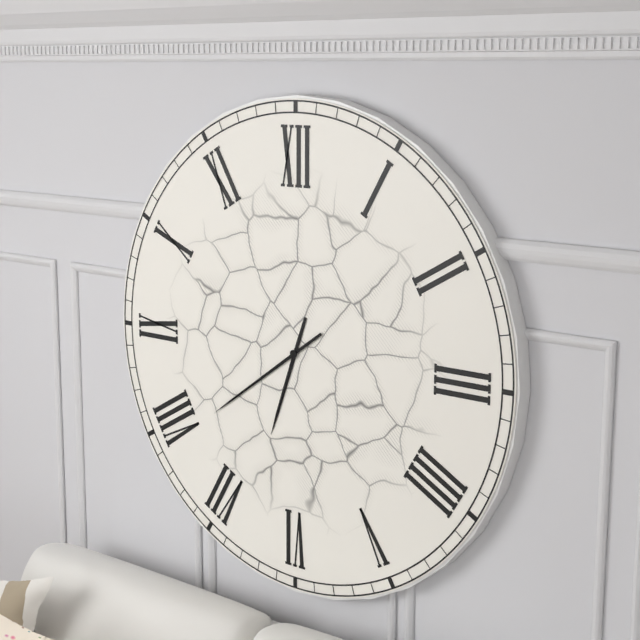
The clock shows h=6 m=39
